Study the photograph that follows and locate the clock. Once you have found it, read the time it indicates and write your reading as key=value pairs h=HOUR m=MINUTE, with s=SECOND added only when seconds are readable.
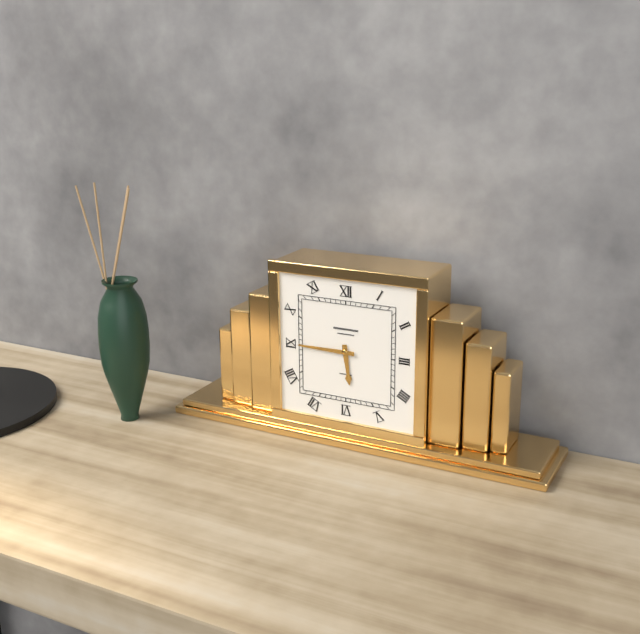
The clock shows h=5 m=45
